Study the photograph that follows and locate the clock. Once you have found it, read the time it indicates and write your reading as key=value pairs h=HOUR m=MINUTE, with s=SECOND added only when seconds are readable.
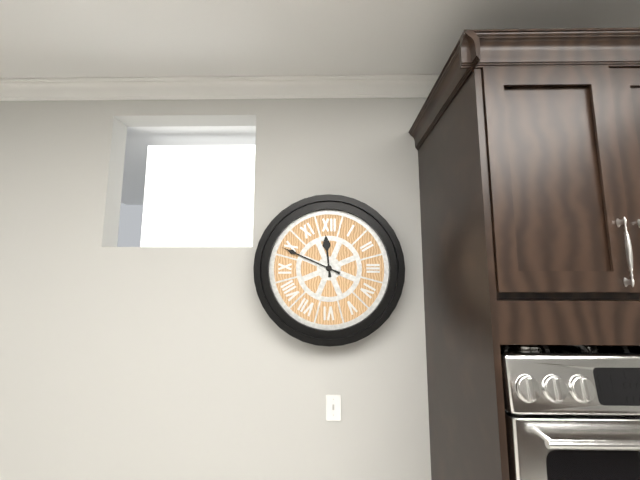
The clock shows h=11 m=49
